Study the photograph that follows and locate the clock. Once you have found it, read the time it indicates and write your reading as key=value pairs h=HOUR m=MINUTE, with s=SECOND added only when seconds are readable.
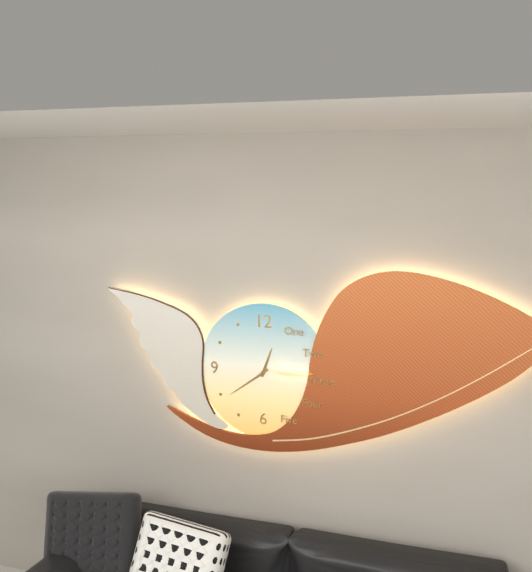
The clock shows h=12 m=39
